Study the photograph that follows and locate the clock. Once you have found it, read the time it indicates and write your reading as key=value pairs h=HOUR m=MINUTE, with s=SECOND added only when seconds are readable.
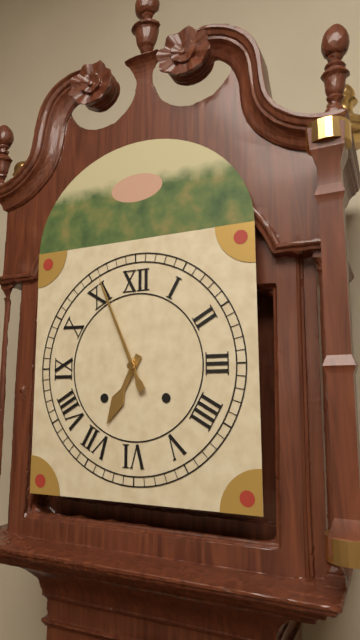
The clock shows h=6 m=56
